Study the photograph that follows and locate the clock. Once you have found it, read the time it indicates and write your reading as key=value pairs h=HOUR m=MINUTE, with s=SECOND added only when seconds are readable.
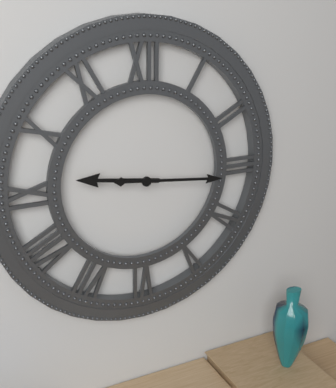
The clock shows h=9 m=16
